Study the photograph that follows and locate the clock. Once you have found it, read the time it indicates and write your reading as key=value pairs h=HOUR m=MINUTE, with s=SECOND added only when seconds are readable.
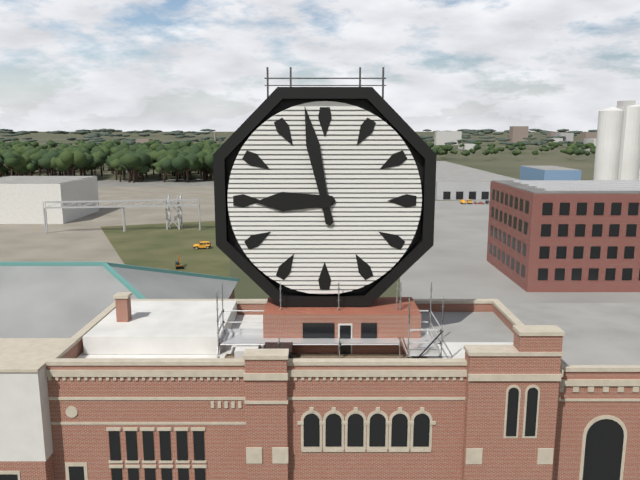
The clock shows h=8 m=58
